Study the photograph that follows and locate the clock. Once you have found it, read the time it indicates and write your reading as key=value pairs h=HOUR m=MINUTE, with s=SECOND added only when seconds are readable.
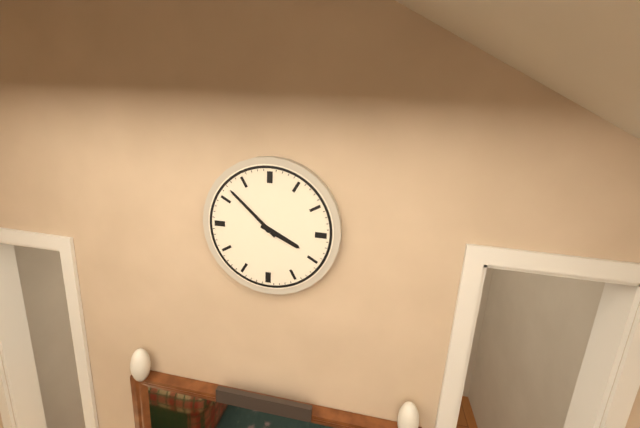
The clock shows h=3 m=52
